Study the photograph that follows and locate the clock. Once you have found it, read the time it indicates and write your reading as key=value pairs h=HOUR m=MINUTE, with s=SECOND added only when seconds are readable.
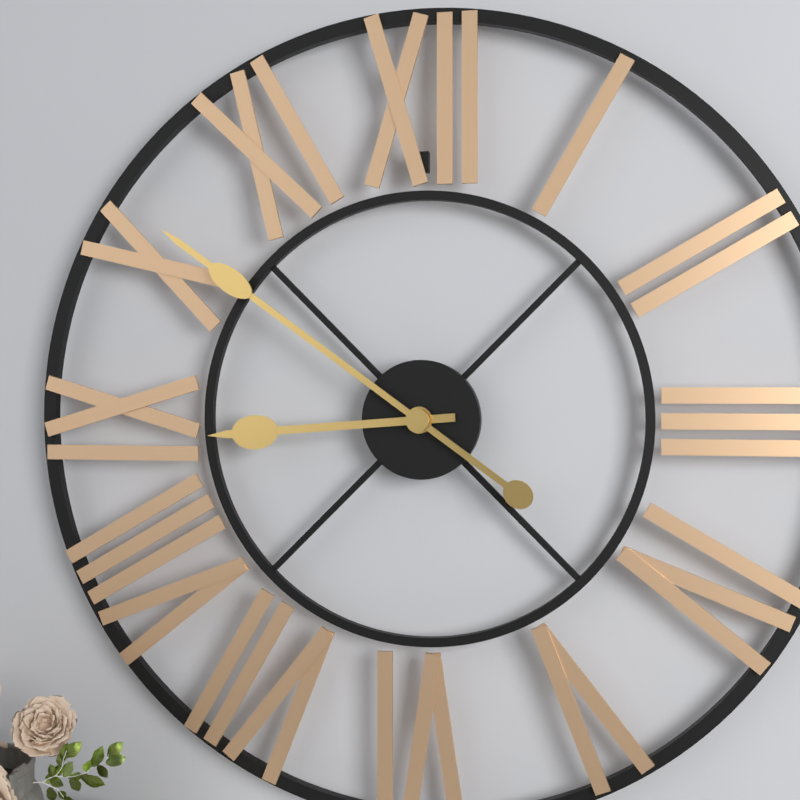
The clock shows h=8 m=51
